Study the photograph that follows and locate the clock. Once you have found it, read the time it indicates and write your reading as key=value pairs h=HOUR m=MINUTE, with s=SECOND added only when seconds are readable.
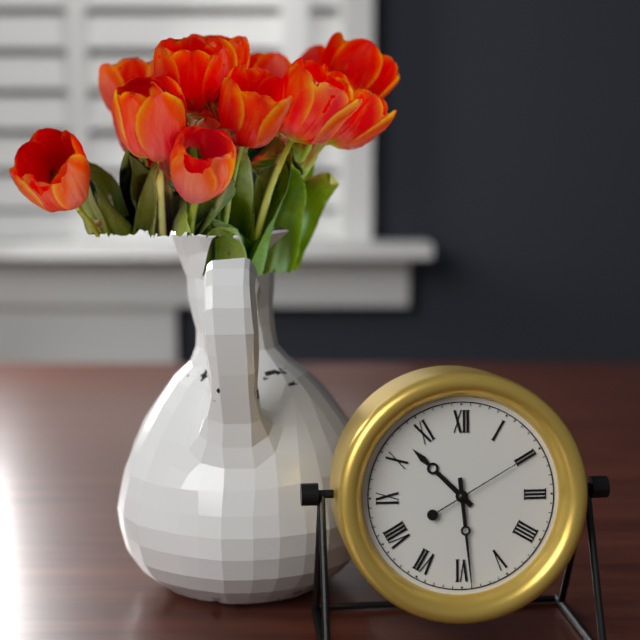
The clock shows h=10 m=29 s=10
